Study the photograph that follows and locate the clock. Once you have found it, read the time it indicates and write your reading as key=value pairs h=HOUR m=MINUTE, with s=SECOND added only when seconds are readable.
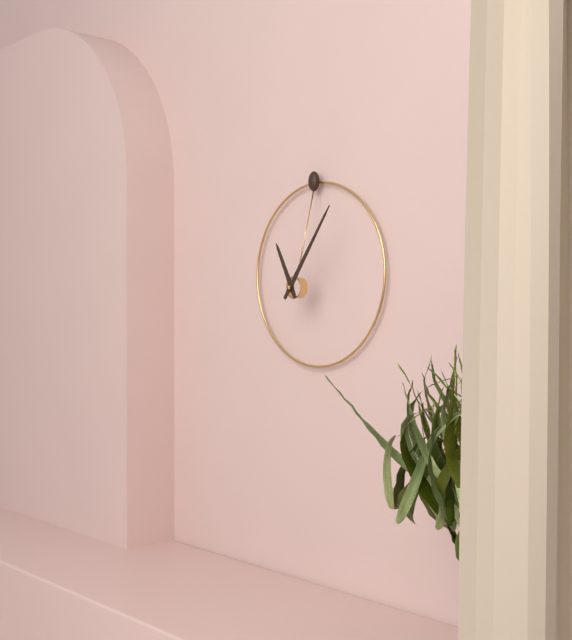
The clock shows h=11 m=6
